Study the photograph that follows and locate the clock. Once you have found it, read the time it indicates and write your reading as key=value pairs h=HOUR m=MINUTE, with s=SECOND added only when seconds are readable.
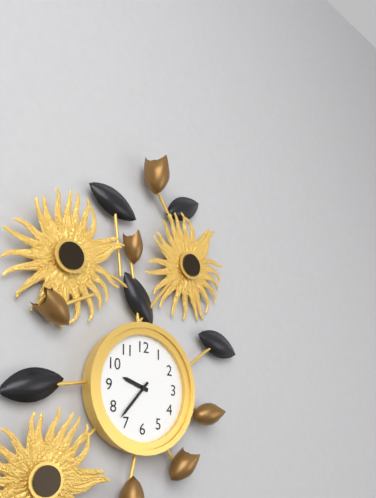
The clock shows h=9 m=37
